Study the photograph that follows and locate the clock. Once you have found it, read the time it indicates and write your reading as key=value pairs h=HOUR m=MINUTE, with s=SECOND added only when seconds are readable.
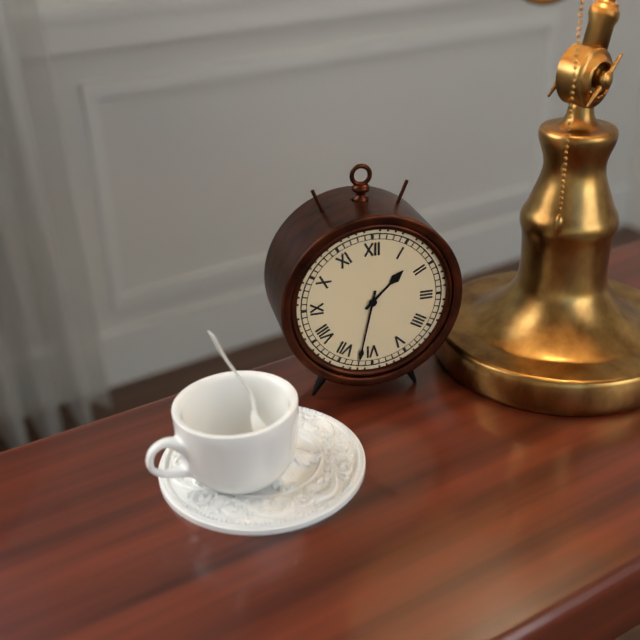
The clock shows h=1 m=32
